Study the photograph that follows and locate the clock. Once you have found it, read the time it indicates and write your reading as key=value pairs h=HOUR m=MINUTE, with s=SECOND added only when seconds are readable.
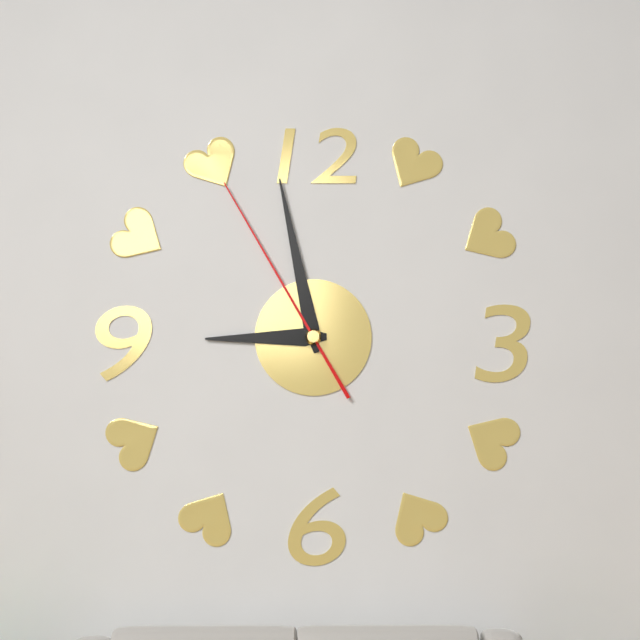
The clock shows h=8 m=58 s=55
